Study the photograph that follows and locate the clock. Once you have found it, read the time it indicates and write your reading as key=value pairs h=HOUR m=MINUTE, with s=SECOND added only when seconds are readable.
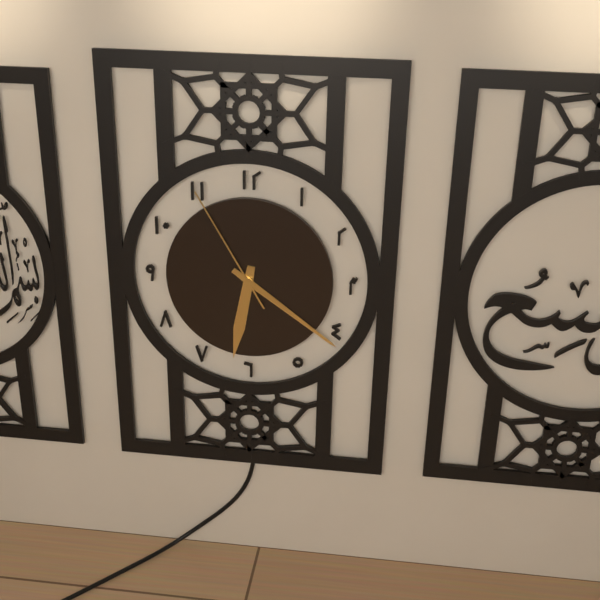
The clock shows h=6 m=21 s=55
